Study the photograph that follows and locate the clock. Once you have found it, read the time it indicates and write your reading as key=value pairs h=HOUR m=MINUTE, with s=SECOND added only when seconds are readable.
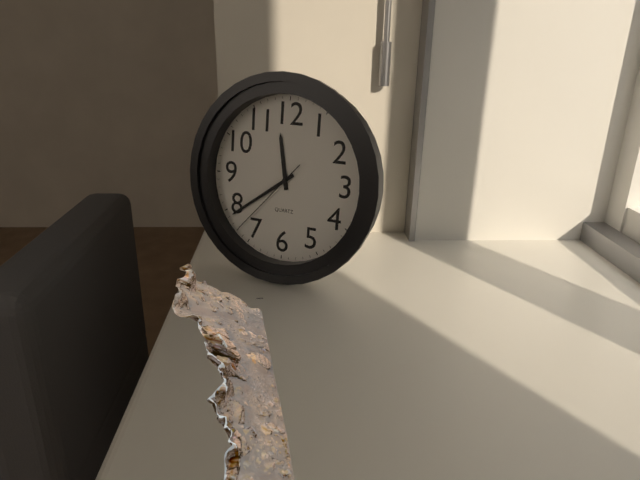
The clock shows h=11 m=39 s=37
